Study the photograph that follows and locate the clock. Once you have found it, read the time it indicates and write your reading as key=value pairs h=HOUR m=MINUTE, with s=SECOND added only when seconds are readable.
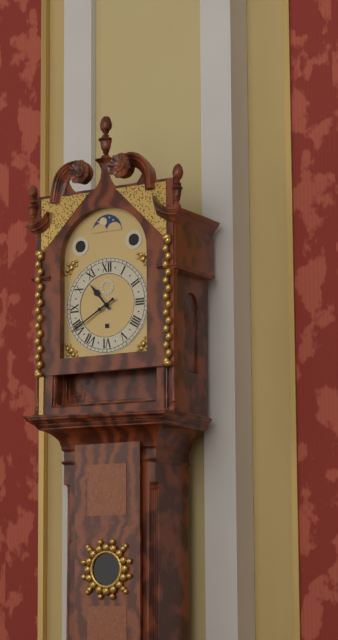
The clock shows h=10 m=40
